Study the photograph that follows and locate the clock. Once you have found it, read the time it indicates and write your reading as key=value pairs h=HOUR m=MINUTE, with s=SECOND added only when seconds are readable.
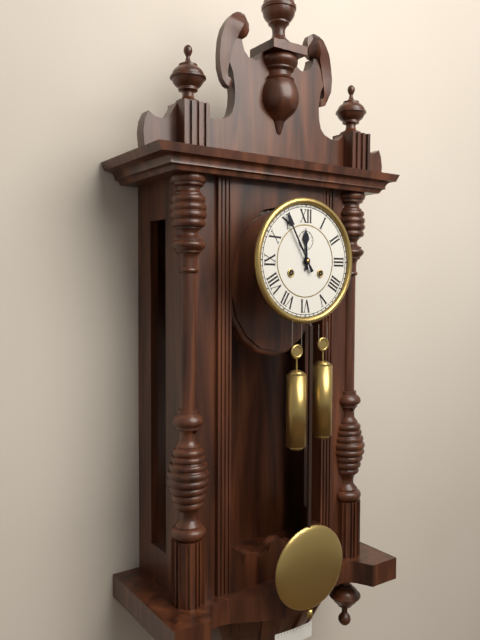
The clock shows h=11 m=55
